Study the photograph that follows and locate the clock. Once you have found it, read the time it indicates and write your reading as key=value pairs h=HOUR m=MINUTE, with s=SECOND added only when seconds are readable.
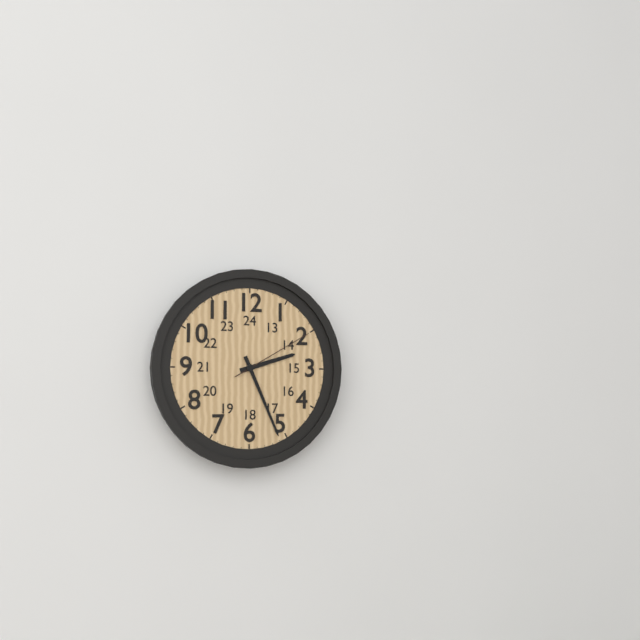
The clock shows h=2 m=26 s=10
